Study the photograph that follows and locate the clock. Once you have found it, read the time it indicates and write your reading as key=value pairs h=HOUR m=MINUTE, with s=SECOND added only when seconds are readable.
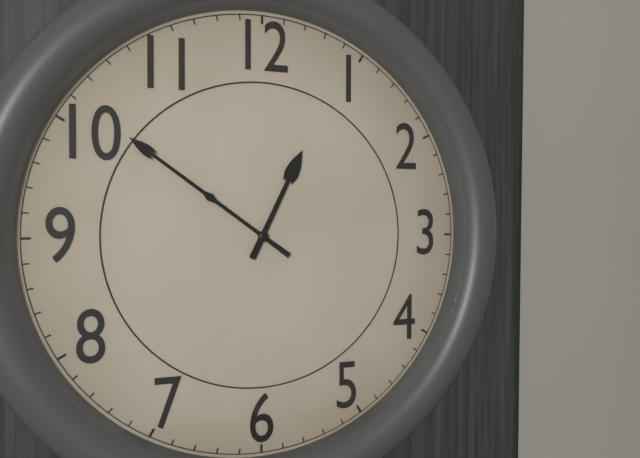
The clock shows h=12 m=51
